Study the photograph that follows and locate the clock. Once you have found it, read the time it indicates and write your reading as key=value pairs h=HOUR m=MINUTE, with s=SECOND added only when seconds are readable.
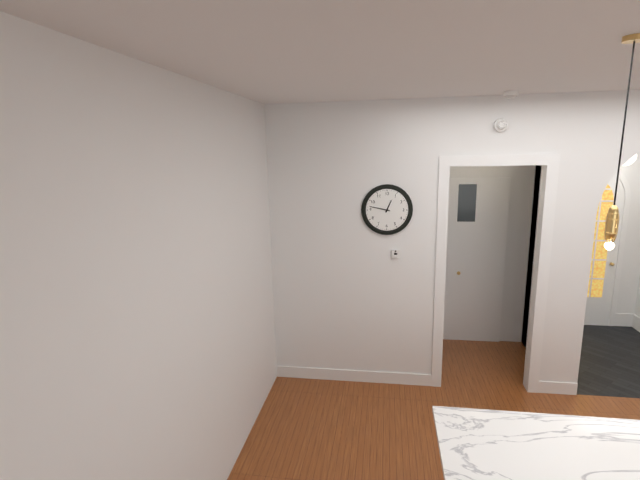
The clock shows h=12 m=47
